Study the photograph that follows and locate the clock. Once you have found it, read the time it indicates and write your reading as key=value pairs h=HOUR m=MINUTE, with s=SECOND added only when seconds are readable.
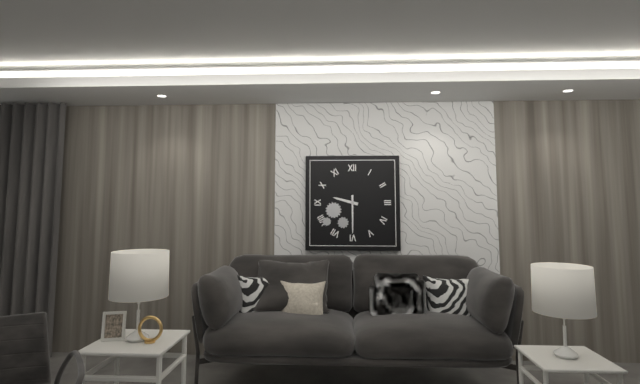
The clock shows h=9 m=30
